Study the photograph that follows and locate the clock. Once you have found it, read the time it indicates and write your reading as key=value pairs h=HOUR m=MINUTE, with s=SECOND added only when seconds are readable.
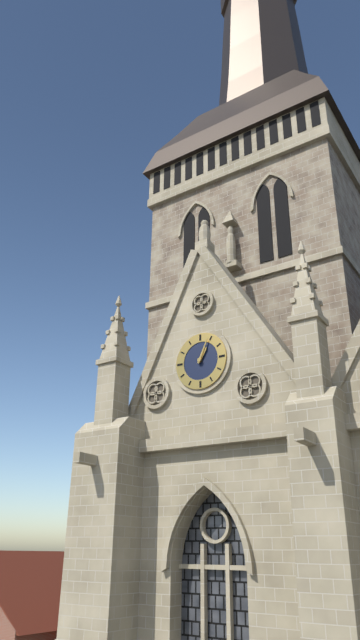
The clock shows h=1 m=4
